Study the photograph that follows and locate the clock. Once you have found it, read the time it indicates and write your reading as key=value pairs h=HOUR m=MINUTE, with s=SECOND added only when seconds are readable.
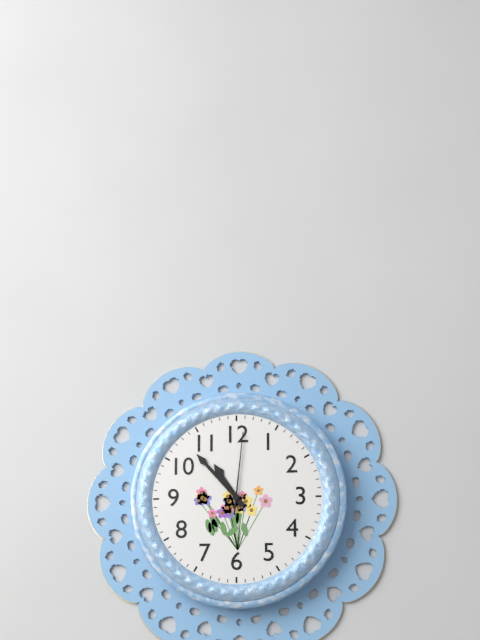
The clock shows h=10 m=53 s=1
